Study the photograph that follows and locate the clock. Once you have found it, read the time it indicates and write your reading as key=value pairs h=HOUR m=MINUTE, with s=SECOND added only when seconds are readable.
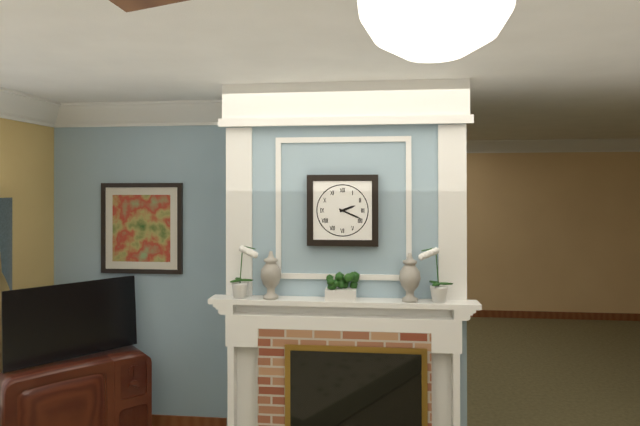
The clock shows h=2 m=19
